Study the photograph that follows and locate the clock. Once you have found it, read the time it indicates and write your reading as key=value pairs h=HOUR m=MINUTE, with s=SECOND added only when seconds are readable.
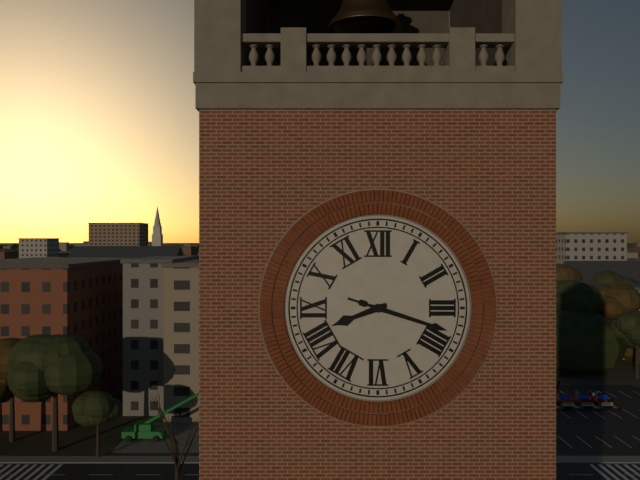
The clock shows h=8 m=18
